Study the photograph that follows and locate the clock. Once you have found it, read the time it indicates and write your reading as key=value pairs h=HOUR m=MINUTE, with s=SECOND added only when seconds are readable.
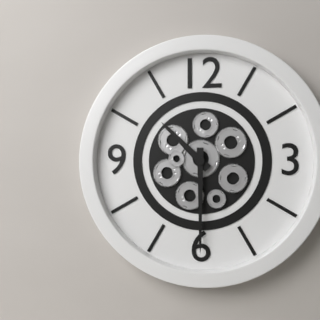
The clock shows h=10 m=30
